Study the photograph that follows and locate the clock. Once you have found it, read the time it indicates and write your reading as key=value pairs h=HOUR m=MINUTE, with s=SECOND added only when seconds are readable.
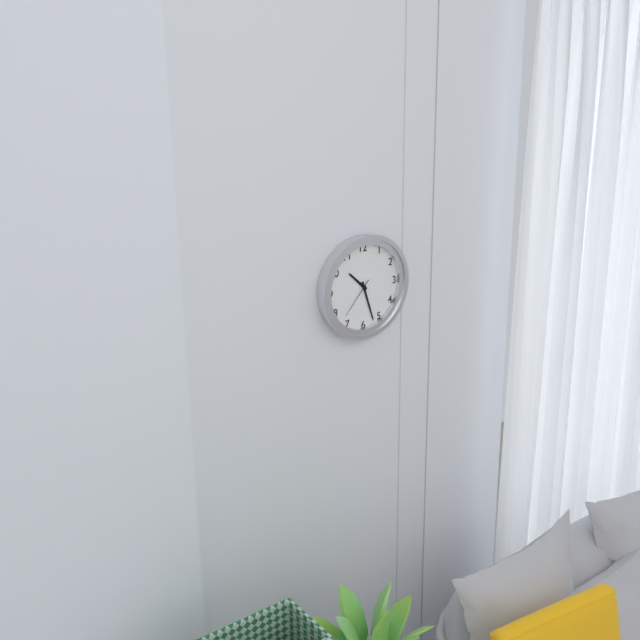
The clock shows h=10 m=27
